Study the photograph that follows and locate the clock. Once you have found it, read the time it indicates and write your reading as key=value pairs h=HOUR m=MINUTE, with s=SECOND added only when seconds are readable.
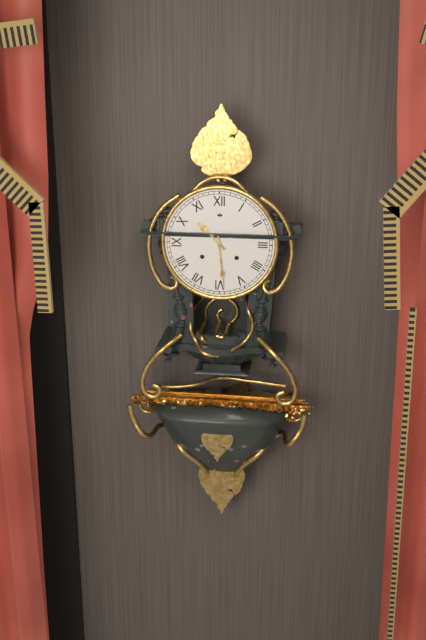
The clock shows h=10 m=29
